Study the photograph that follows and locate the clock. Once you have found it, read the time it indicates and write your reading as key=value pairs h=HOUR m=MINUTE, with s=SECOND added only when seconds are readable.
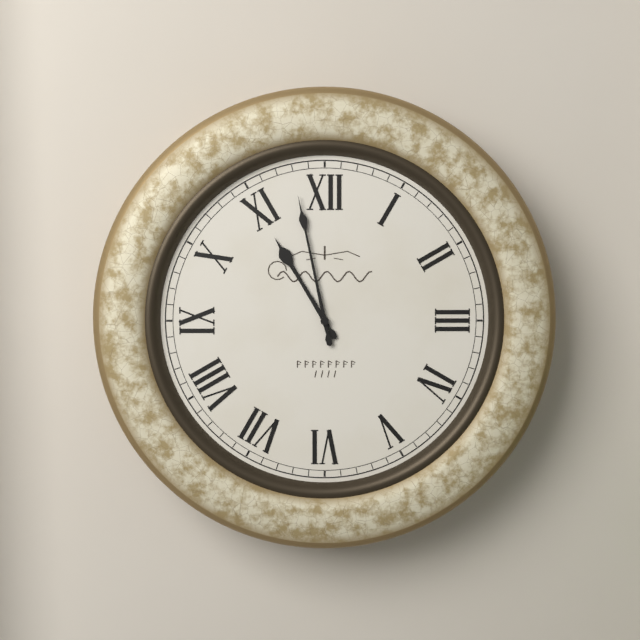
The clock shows h=10 m=58
